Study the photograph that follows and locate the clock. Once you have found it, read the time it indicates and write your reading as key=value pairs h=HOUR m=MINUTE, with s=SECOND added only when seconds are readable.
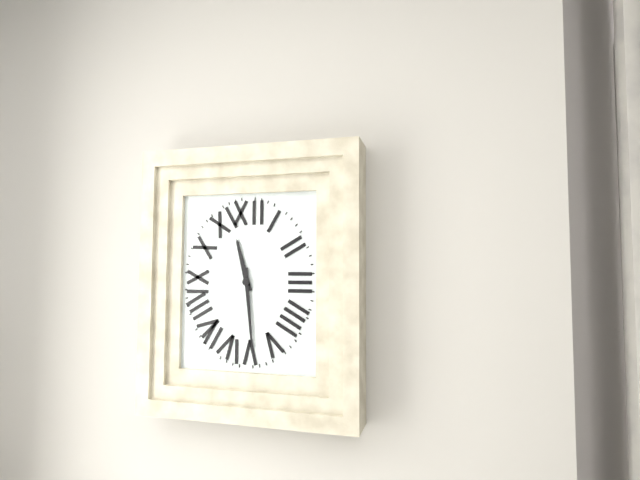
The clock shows h=11 m=29
